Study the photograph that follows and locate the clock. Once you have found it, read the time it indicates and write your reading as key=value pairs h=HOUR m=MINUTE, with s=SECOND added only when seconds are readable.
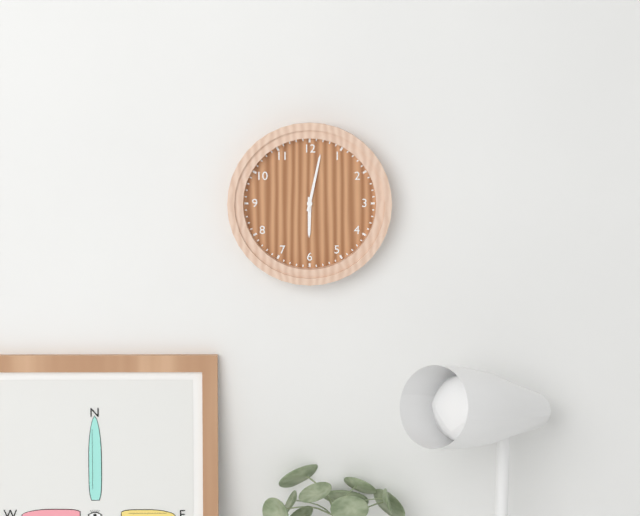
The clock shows h=6 m=2
